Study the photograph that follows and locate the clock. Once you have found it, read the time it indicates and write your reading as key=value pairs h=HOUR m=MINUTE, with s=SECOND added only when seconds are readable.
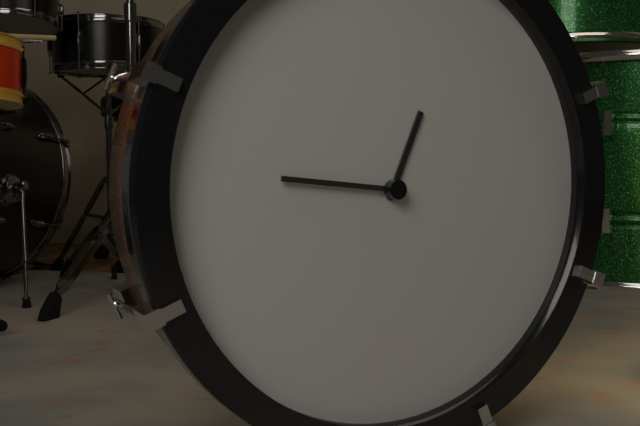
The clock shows h=12 m=46
